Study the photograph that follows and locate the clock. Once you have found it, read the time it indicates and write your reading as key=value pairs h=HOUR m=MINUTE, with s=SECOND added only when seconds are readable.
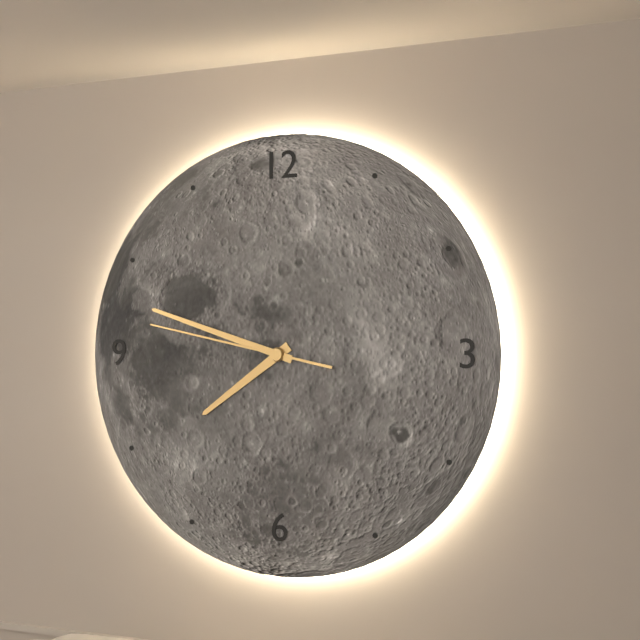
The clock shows h=7 m=48 s=47
